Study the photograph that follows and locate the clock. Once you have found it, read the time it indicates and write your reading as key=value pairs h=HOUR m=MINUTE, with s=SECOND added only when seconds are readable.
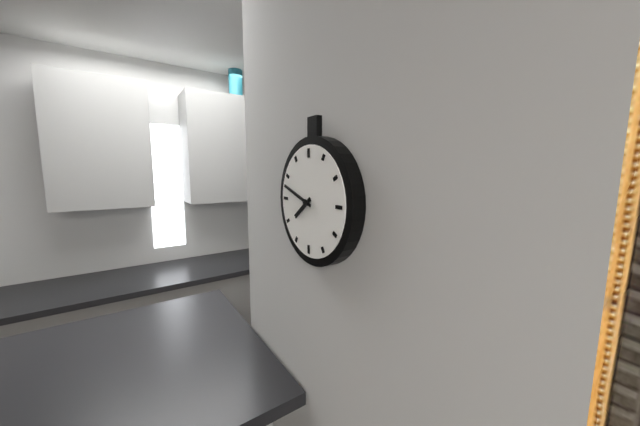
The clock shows h=7 m=48
